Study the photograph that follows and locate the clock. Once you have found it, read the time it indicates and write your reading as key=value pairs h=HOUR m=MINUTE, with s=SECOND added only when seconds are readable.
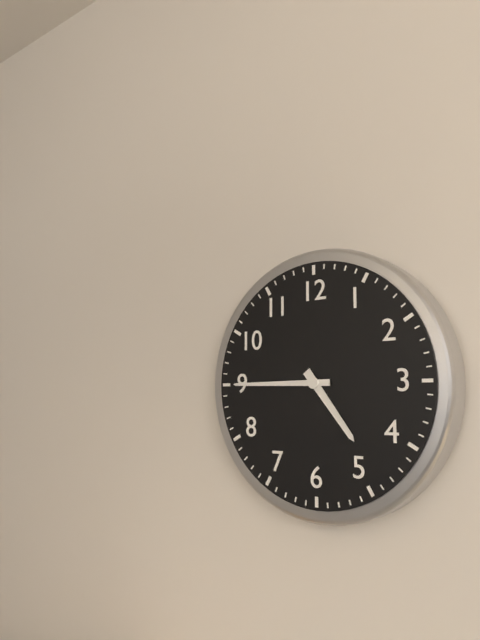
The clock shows h=4 m=45
